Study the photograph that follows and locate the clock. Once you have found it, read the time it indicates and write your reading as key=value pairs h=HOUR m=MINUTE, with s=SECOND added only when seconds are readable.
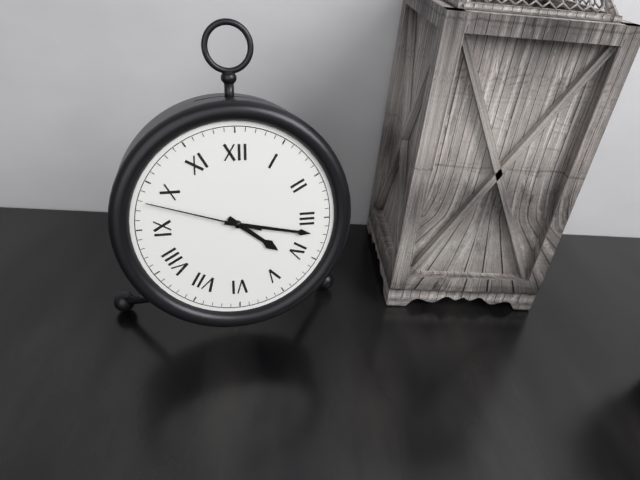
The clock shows h=4 m=17 s=48
